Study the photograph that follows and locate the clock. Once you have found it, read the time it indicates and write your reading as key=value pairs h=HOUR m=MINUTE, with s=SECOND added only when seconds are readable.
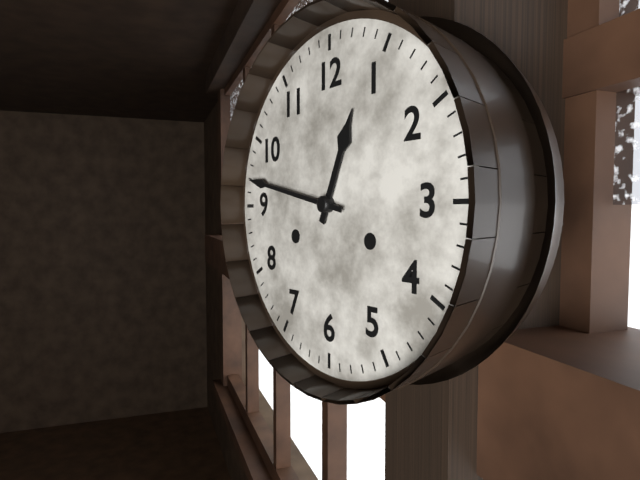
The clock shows h=12 m=47
